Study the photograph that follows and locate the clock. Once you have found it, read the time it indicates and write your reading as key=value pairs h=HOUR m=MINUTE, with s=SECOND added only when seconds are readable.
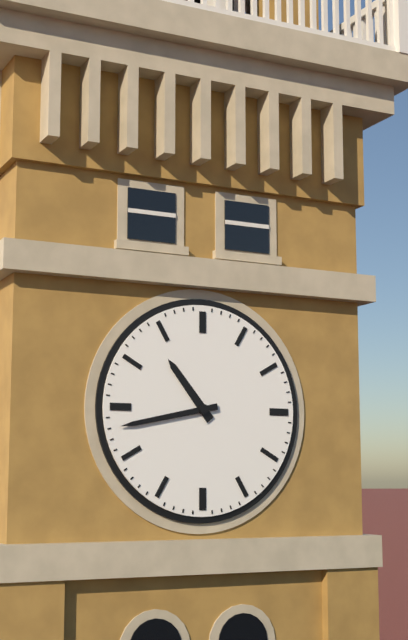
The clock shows h=10 m=43
